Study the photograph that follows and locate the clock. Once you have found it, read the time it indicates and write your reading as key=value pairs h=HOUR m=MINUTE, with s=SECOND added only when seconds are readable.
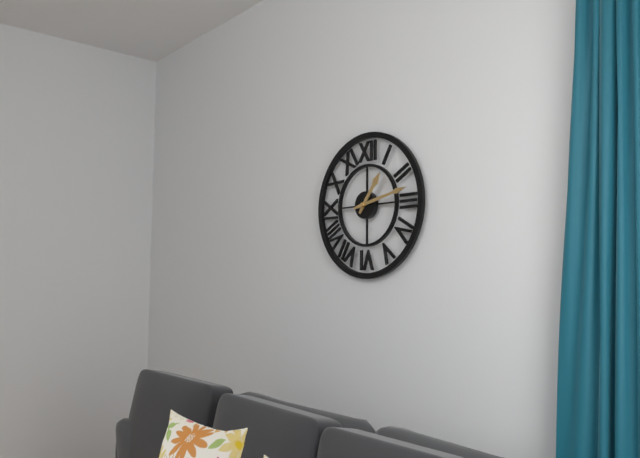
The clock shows h=1 m=13
